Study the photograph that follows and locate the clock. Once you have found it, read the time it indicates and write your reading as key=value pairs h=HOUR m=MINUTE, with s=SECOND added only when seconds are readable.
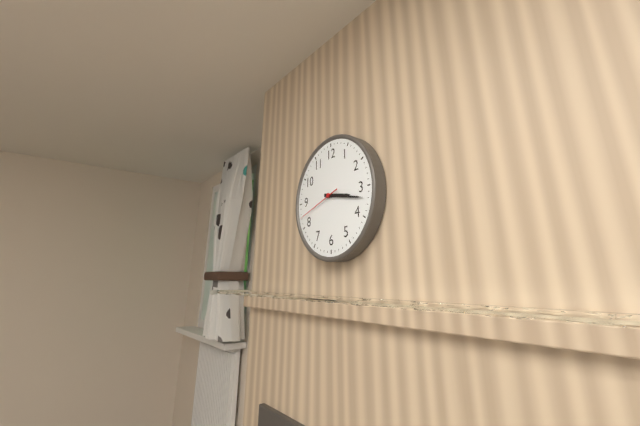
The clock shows h=3 m=17
